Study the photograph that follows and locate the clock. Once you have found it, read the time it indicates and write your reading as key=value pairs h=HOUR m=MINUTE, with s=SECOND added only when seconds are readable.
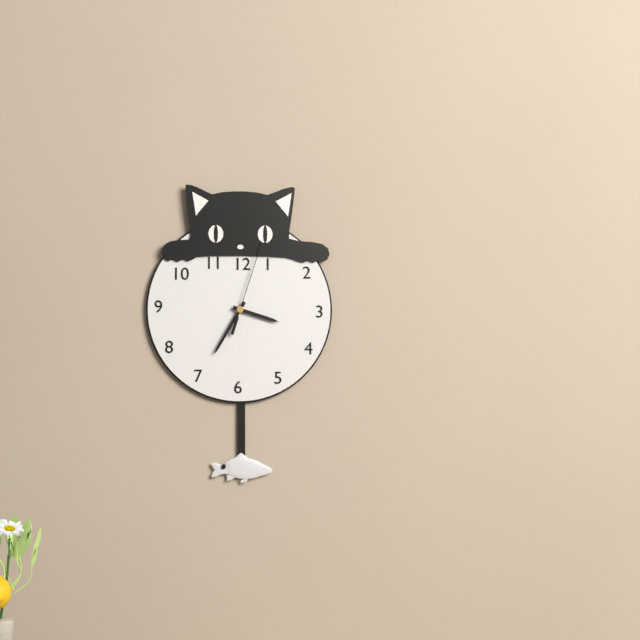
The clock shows h=3 m=35 s=3
